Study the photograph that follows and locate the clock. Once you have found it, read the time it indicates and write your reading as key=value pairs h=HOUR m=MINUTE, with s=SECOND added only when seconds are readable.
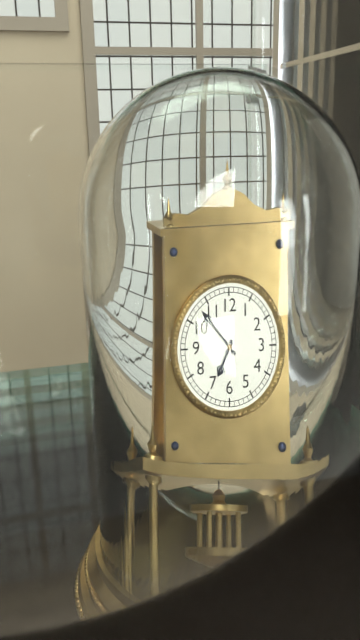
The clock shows h=6 m=53
